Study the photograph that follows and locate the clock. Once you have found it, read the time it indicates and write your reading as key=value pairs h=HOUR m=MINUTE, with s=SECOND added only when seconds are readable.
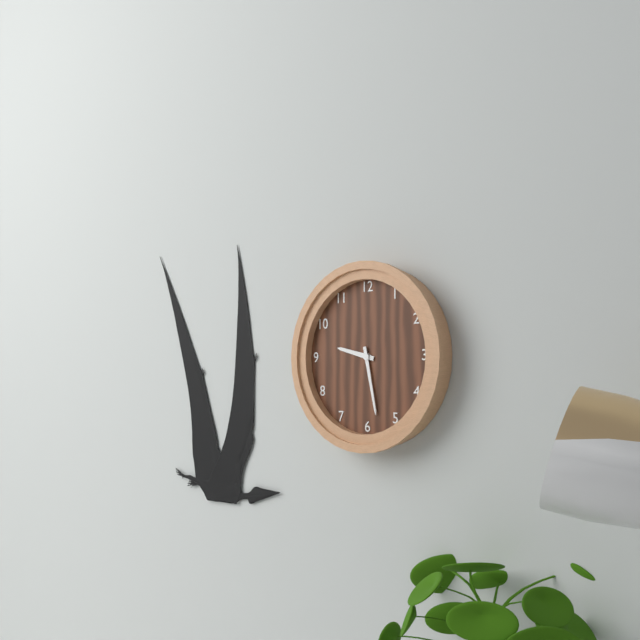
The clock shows h=9 m=28
